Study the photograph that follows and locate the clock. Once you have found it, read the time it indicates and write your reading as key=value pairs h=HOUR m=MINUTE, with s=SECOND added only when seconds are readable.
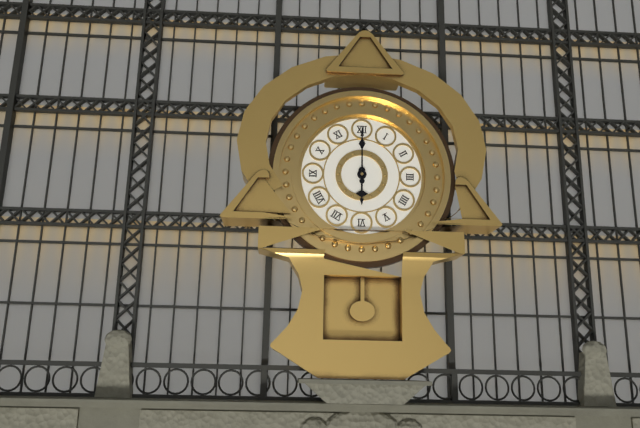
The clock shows h=6 m=0
